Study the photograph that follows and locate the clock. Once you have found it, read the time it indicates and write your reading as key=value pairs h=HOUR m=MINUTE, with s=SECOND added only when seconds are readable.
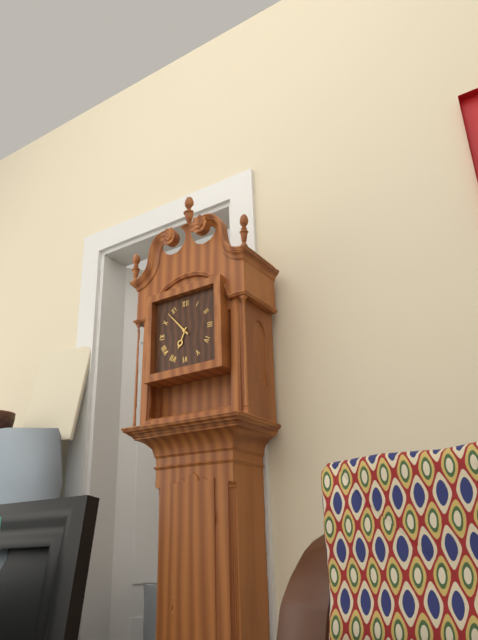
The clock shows h=6 m=53
